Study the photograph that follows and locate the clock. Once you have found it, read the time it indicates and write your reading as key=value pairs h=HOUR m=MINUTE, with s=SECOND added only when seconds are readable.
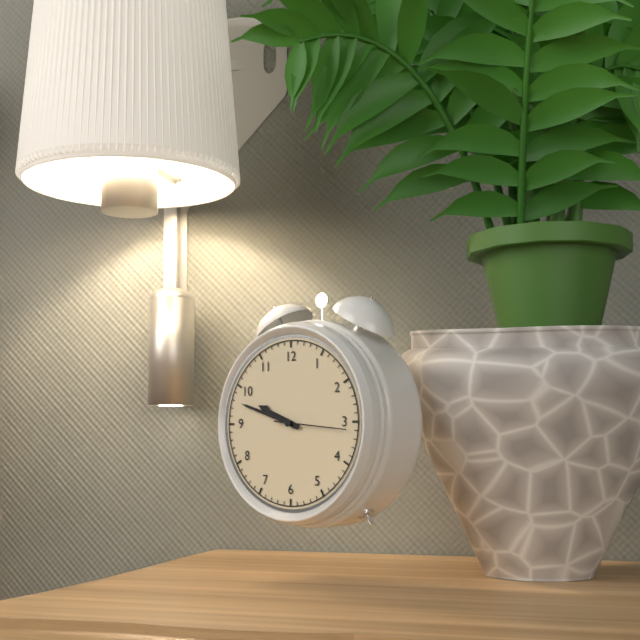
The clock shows h=9 m=48 s=16
